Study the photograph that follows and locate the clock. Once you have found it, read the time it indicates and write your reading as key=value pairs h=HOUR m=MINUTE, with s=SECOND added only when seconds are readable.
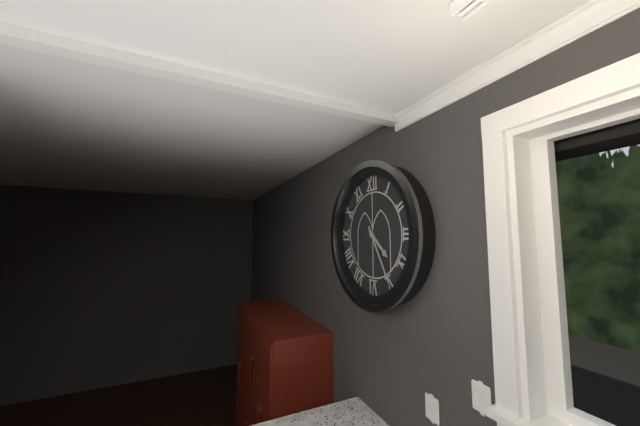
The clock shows h=4 m=25
